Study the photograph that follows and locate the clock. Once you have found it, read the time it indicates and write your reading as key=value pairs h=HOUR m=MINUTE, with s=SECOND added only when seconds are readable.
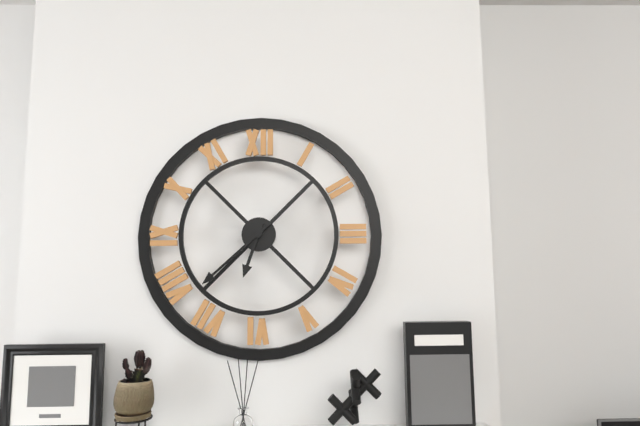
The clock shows h=6 m=38
